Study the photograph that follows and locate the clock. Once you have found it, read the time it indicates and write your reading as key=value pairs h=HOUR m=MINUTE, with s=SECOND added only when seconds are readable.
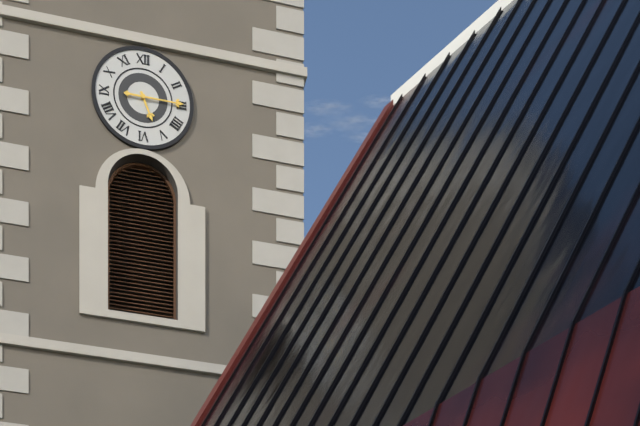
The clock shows h=5 m=15
